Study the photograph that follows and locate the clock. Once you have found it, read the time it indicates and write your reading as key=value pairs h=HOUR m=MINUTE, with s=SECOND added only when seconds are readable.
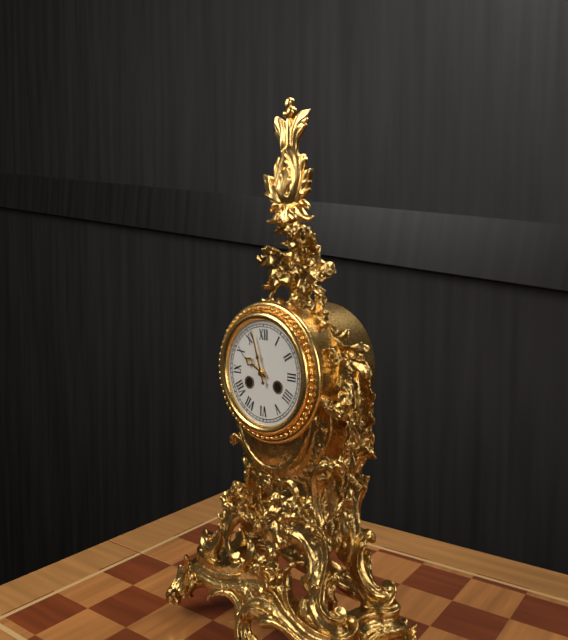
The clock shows h=9 m=57
